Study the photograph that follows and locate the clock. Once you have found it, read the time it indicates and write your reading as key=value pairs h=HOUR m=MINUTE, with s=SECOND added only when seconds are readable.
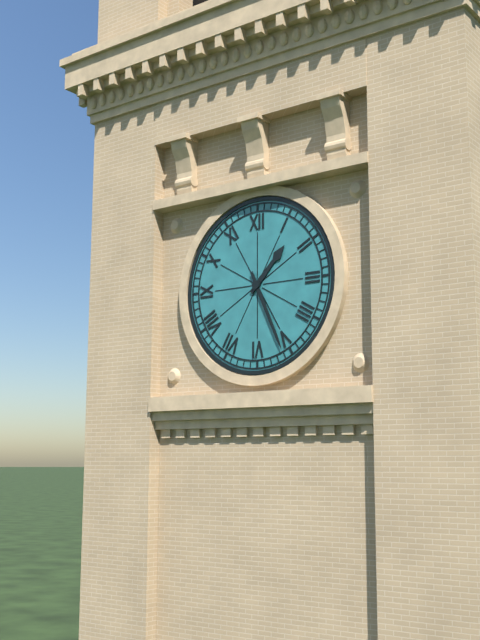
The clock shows h=1 m=26
